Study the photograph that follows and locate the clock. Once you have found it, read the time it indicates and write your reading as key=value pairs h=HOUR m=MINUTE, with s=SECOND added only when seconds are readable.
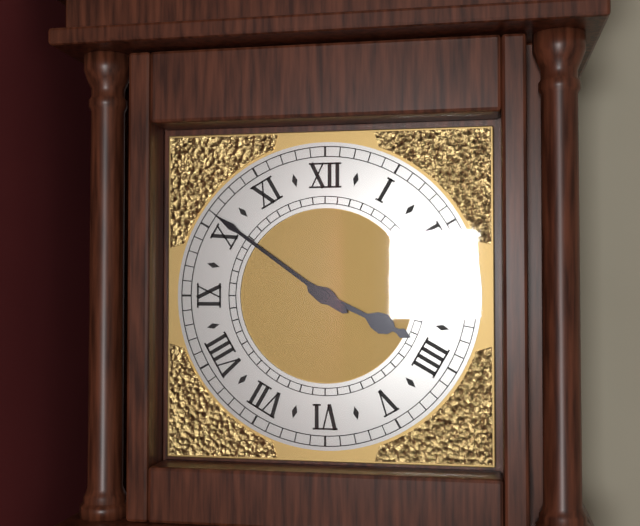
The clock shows h=3 m=51
